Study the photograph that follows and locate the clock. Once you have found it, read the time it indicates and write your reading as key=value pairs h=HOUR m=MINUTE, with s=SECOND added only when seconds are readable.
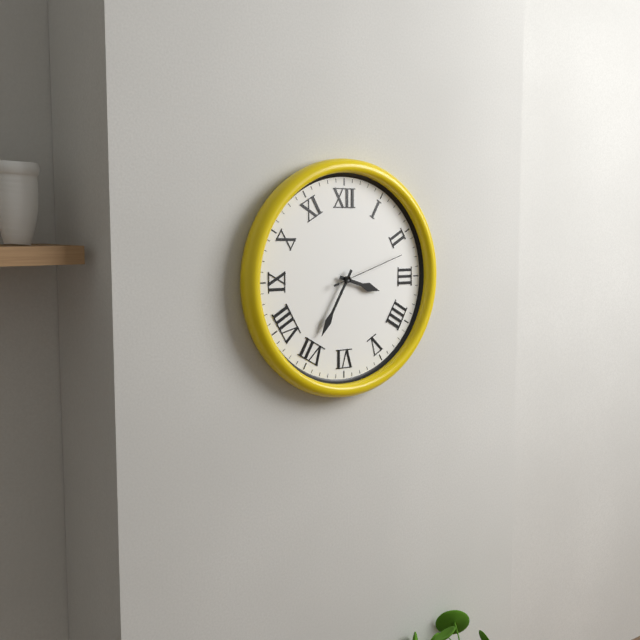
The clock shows h=3 m=35 s=12
